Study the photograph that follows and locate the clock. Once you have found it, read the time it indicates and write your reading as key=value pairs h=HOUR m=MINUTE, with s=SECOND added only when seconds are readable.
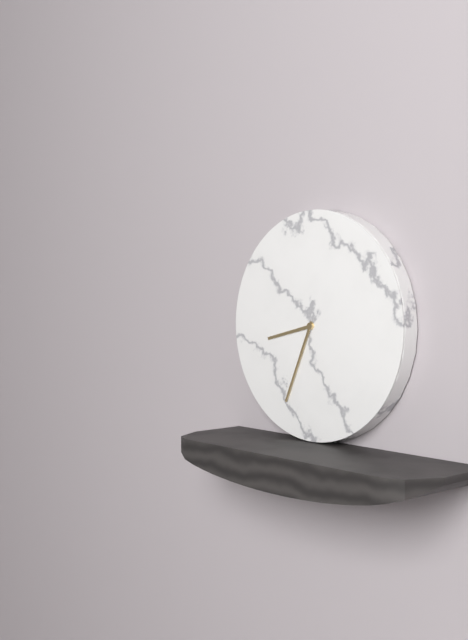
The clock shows h=8 m=34
